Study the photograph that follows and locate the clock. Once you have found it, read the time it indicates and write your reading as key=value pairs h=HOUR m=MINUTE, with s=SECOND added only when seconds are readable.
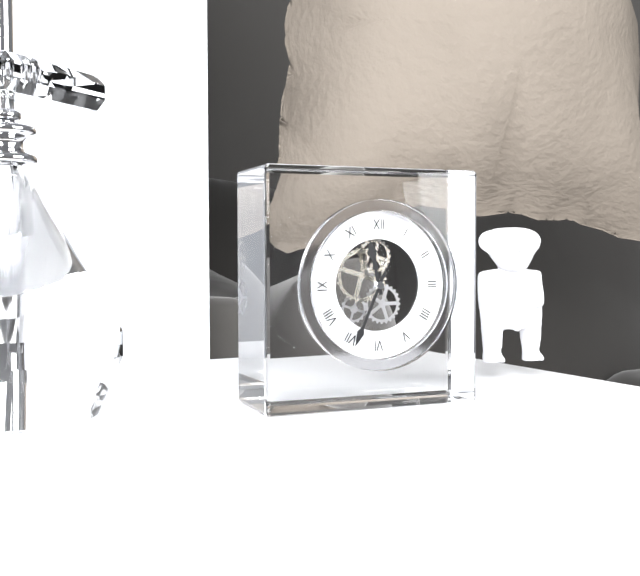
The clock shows h=11 m=34
